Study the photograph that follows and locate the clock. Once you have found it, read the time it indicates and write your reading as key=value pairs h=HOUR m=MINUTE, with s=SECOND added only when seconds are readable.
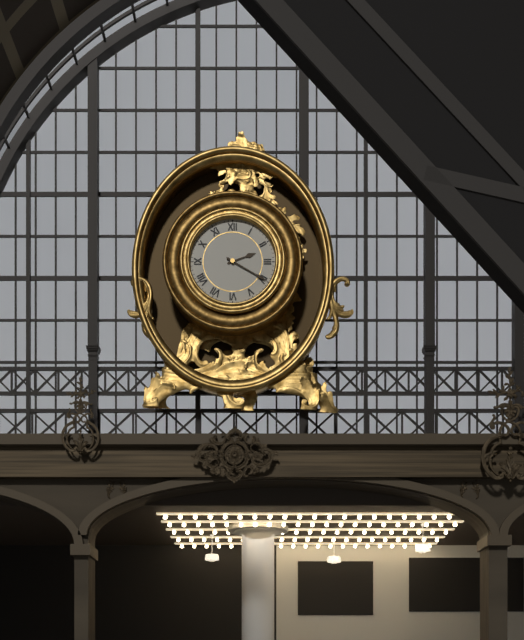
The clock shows h=2 m=20
